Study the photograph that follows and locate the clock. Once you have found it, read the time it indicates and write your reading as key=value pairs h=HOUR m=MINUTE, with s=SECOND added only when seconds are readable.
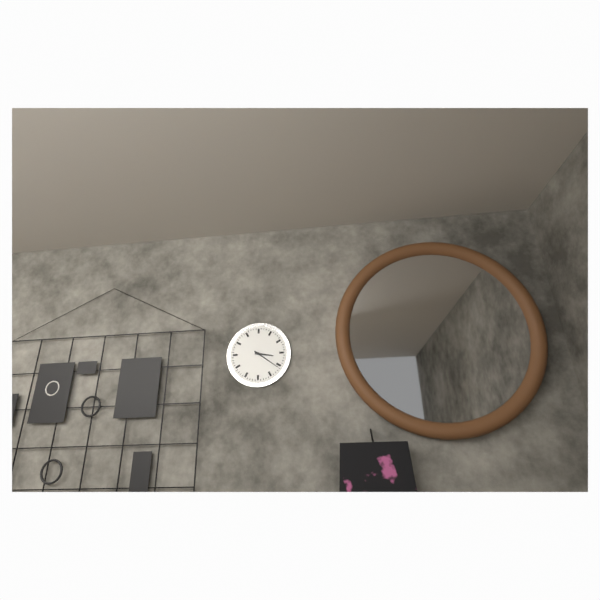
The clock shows h=3 m=21
